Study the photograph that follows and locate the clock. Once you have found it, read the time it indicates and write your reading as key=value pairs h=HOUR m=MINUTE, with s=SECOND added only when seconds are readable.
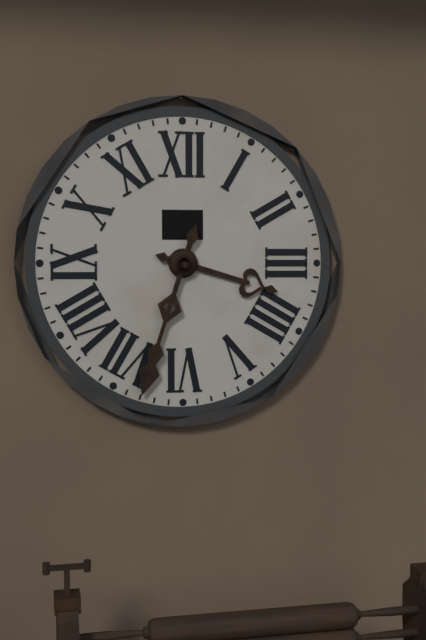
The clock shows h=3 m=33
